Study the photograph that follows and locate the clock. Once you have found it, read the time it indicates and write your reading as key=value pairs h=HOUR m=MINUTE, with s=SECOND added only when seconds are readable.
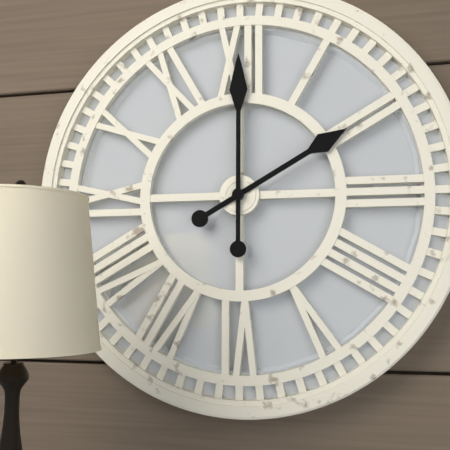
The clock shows h=2 m=0
